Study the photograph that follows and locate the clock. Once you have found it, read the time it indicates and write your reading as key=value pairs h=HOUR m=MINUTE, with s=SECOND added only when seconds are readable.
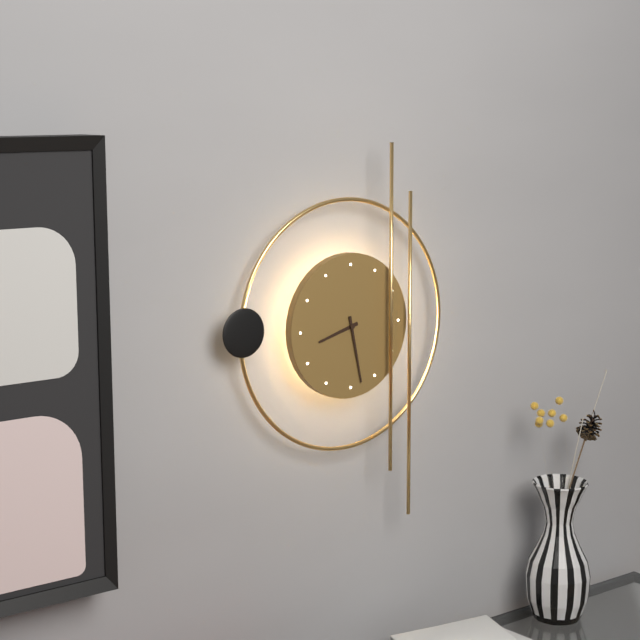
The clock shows h=8 m=28
